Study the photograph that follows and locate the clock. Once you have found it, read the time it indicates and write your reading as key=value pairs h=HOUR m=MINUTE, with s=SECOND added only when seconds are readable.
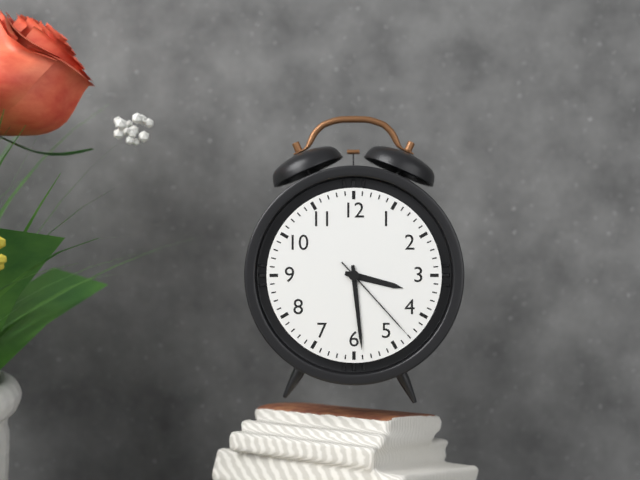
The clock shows h=3 m=29 s=23
